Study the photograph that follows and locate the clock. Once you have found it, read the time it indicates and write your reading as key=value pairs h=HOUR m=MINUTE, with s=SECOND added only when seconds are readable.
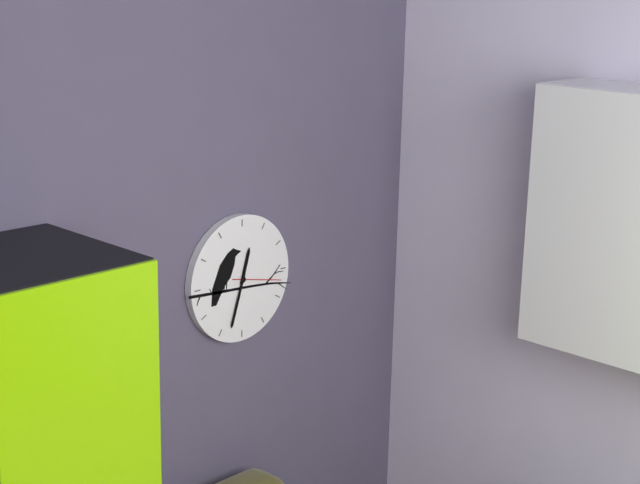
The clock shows h=12 m=33
